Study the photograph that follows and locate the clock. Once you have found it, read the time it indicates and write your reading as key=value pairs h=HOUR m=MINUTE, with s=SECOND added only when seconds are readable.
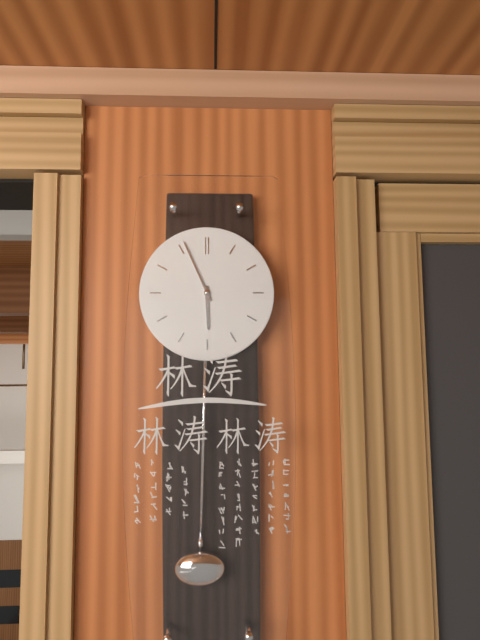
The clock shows h=5 m=56
